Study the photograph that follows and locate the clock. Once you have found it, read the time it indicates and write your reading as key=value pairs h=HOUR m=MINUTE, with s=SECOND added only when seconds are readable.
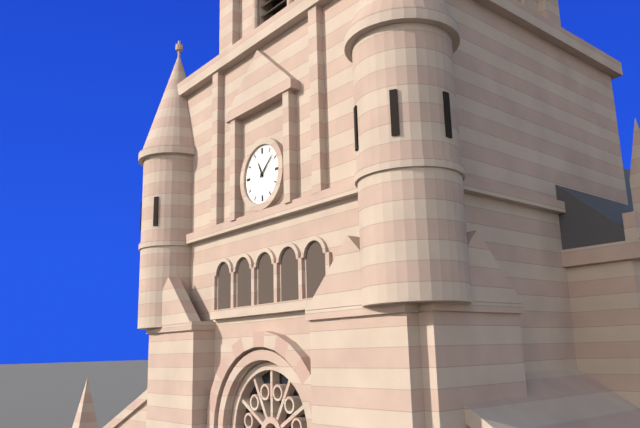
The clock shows h=11 m=8
